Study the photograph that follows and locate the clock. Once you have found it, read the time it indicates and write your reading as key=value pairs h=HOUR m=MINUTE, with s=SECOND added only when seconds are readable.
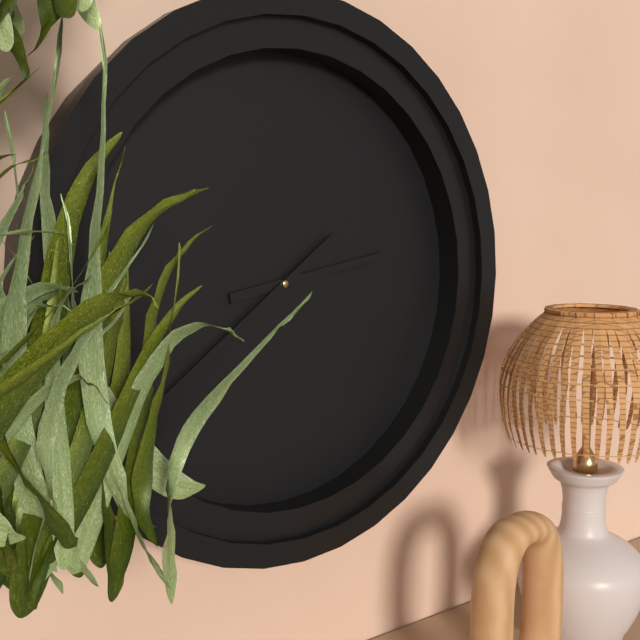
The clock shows h=2 m=39
